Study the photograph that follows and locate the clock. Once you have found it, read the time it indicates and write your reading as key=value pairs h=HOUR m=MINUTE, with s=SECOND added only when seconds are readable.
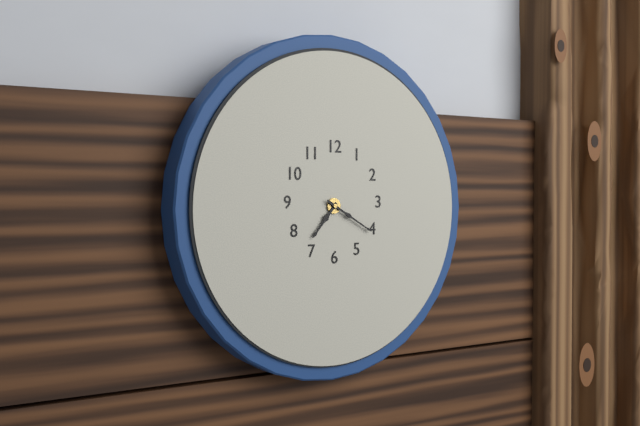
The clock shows h=7 m=20
